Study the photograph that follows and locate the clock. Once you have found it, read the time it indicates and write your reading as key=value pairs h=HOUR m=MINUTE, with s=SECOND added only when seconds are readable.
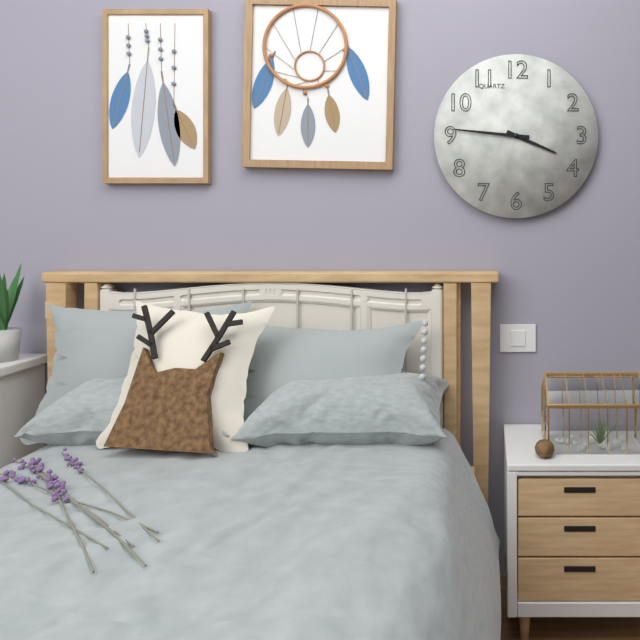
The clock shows h=3 m=46
